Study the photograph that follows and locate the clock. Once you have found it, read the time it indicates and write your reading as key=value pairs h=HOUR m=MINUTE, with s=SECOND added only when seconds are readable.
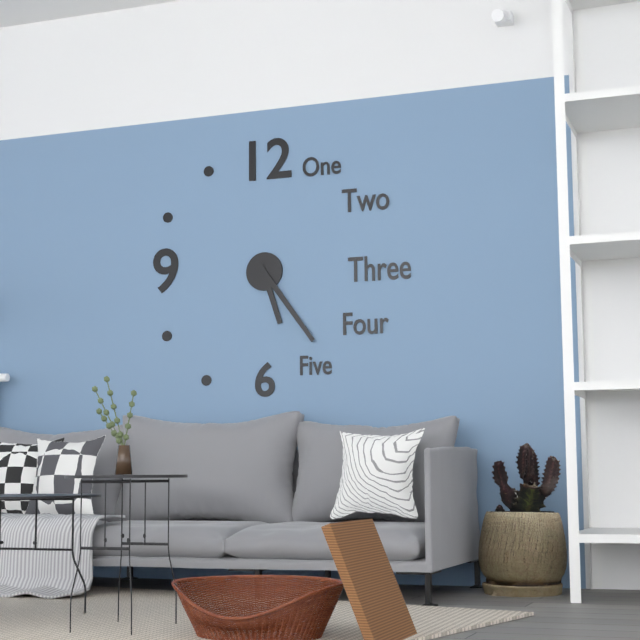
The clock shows h=5 m=24
